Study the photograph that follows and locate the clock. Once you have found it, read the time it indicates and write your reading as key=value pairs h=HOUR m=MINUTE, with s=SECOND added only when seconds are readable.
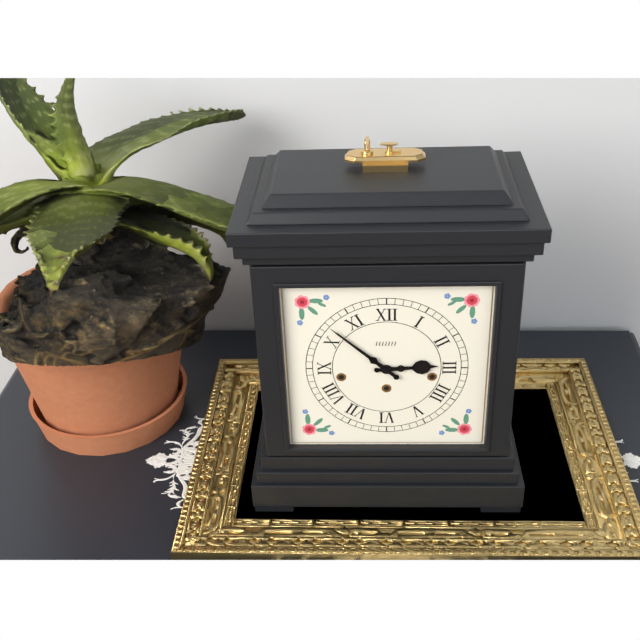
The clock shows h=2 m=52
